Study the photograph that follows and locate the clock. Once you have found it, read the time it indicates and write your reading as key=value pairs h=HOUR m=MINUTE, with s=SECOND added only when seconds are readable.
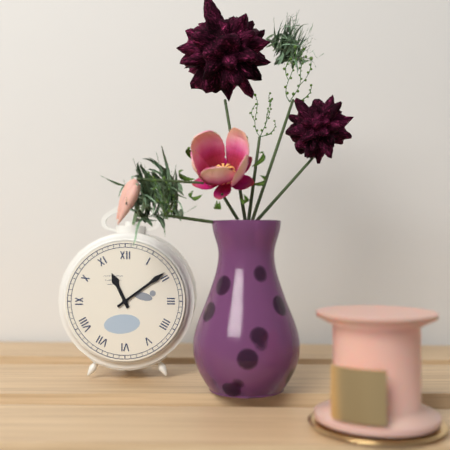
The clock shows h=11 m=9
